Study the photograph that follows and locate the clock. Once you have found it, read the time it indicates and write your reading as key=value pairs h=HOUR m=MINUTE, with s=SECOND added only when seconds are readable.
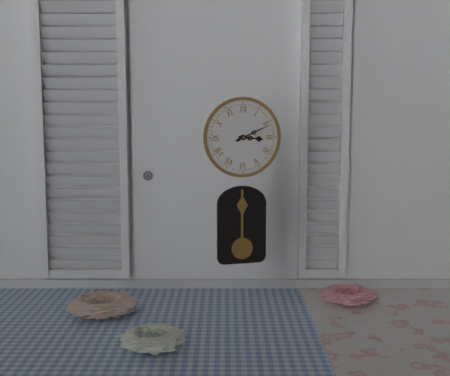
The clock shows h=3 m=11
